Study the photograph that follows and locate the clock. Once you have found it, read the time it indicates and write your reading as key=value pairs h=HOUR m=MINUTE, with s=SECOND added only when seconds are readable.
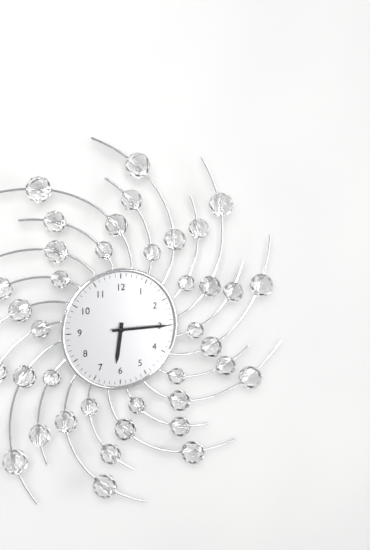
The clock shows h=6 m=15
